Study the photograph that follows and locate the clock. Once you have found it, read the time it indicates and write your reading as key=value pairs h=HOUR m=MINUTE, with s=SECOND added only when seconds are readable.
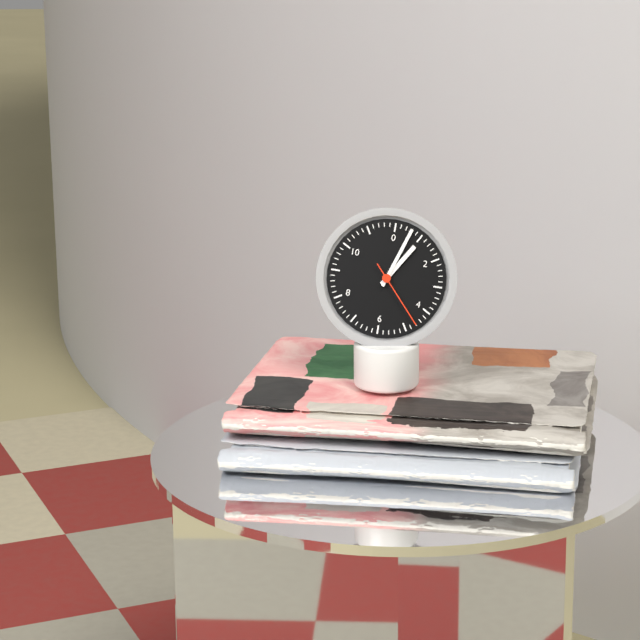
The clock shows h=1 m=3 s=23
